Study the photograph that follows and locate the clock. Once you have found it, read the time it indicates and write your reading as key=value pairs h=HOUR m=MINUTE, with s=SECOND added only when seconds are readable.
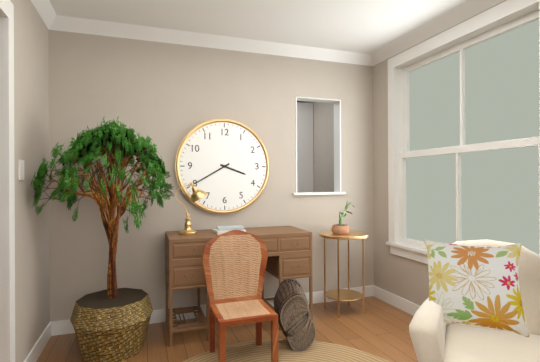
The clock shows h=3 m=40
